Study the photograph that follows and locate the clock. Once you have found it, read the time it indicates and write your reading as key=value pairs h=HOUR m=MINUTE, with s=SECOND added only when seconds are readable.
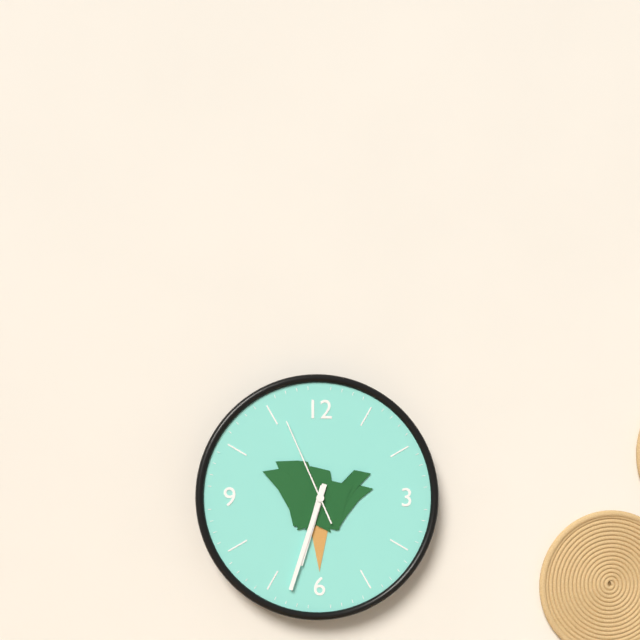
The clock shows h=6 m=33 s=56
